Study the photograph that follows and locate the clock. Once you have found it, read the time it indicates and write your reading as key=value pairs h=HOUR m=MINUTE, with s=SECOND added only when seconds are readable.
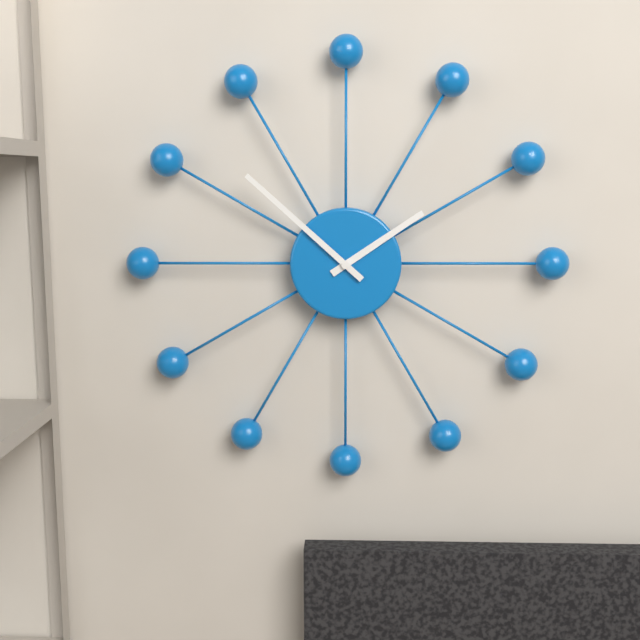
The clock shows h=1 m=52
